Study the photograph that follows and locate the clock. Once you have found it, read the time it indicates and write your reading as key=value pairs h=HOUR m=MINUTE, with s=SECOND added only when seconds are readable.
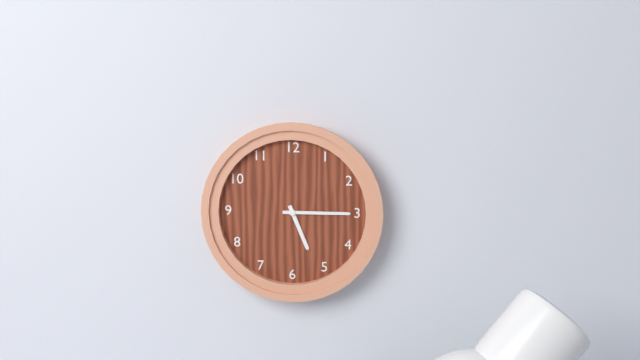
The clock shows h=5 m=15
